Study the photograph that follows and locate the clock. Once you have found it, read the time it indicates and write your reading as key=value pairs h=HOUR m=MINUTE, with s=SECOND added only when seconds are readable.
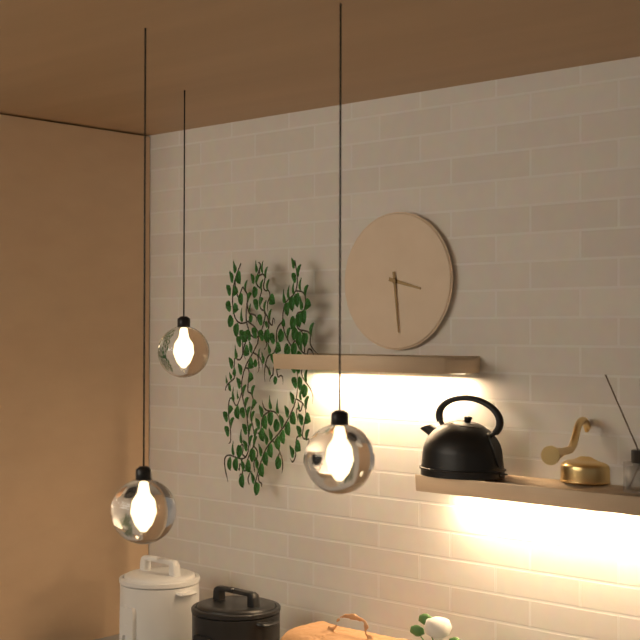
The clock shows h=3 m=29
